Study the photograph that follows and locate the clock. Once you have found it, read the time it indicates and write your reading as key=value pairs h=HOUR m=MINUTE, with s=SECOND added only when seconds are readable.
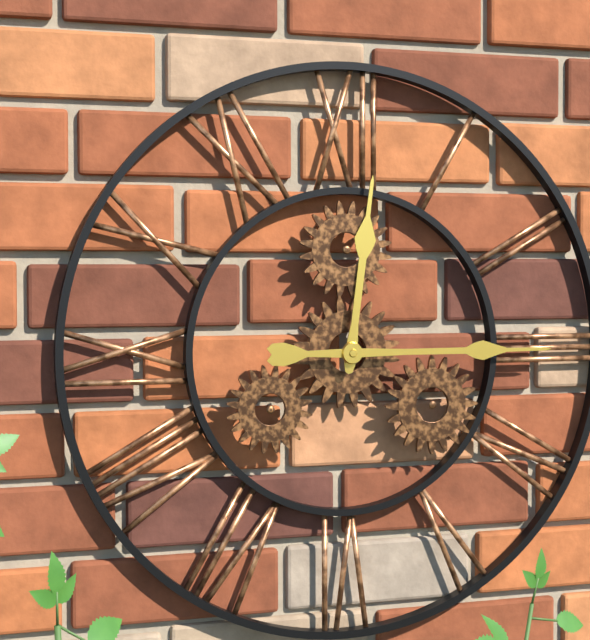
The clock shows h=12 m=15
